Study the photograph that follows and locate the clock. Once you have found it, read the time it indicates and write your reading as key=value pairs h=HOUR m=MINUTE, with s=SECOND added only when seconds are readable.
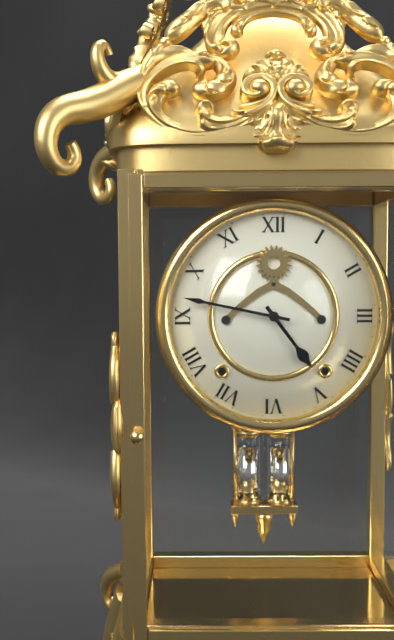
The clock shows h=4 m=47
